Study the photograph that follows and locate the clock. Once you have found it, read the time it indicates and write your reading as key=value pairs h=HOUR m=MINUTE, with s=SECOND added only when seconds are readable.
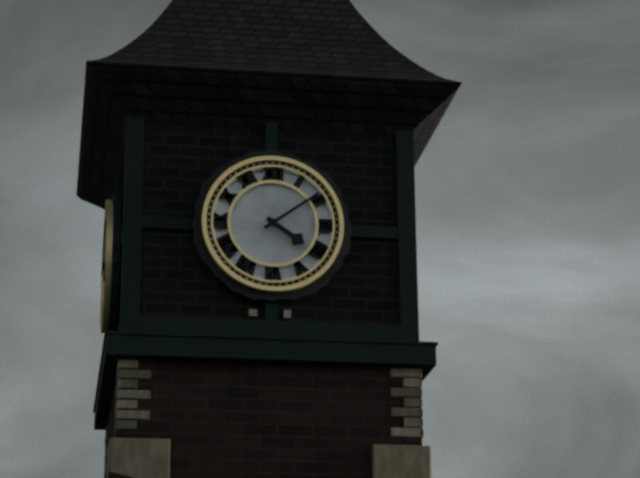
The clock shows h=4 m=9
